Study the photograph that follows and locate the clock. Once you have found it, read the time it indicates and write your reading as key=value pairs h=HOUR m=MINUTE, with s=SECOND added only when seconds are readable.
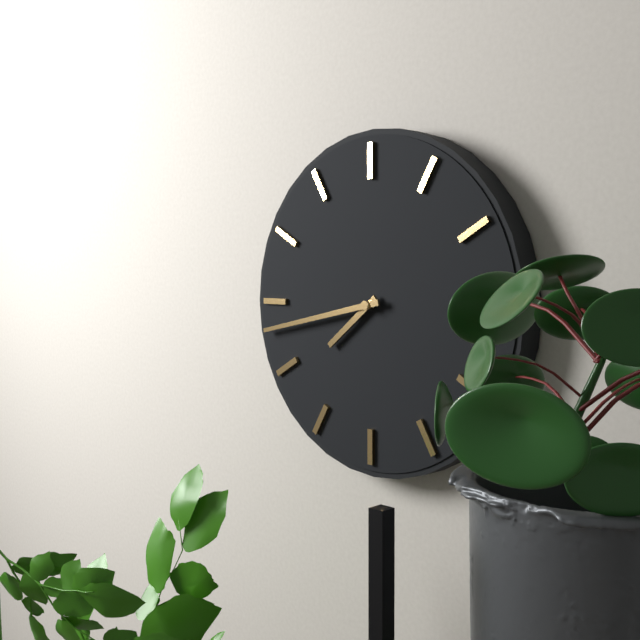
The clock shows h=7 m=43
